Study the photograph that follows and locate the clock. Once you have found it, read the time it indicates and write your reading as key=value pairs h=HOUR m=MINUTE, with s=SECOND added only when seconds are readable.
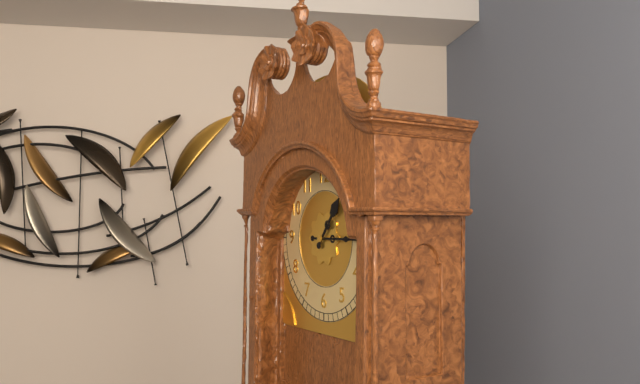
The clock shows h=1 m=15
